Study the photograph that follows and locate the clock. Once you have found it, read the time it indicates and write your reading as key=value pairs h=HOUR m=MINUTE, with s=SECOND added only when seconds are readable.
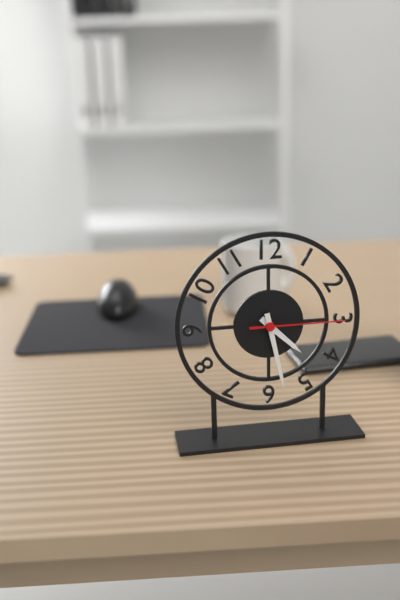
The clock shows h=4 m=28 s=15
